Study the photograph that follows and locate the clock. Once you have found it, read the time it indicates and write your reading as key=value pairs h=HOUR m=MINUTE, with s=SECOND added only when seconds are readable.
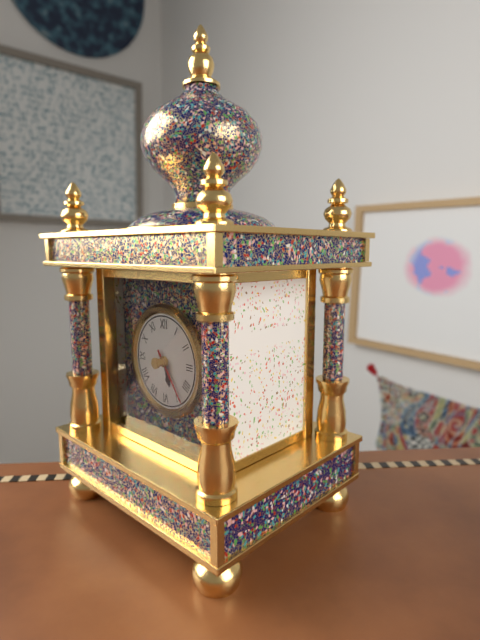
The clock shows h=5 m=24
